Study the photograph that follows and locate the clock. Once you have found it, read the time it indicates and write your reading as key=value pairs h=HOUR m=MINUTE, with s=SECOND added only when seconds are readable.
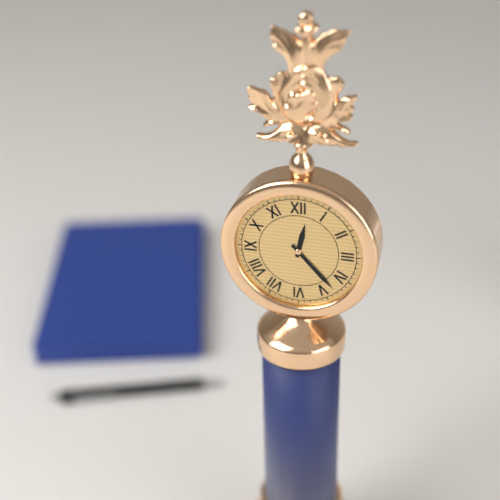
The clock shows h=12 m=23
